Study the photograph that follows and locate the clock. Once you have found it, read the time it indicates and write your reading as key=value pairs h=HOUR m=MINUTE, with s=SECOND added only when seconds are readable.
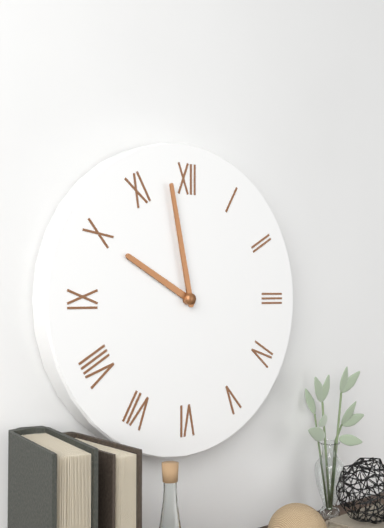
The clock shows h=9 m=58
